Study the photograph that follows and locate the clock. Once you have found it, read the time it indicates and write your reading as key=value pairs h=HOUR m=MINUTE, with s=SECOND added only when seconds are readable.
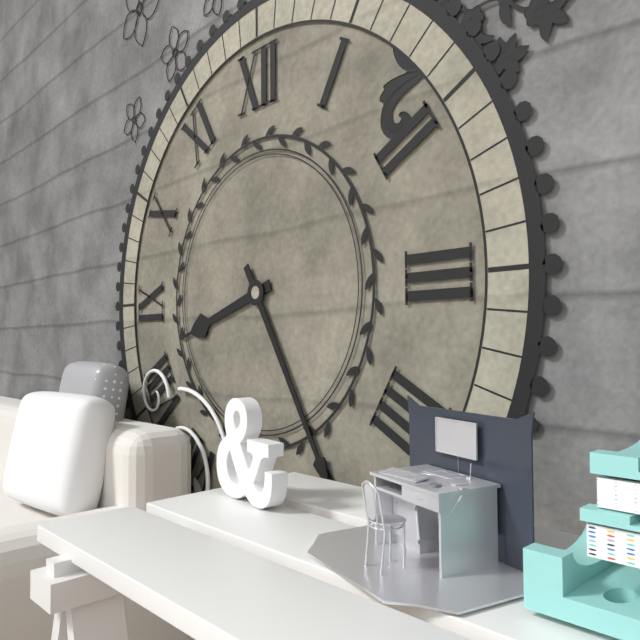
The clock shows h=8 m=25
